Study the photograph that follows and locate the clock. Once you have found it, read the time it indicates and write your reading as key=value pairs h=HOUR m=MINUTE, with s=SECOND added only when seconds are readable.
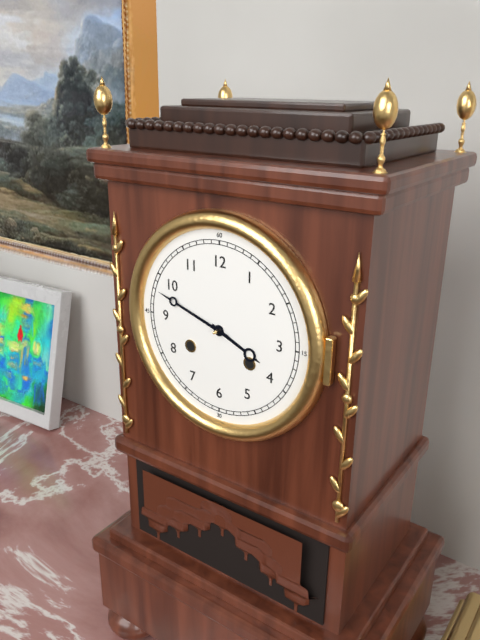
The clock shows h=3 m=48
